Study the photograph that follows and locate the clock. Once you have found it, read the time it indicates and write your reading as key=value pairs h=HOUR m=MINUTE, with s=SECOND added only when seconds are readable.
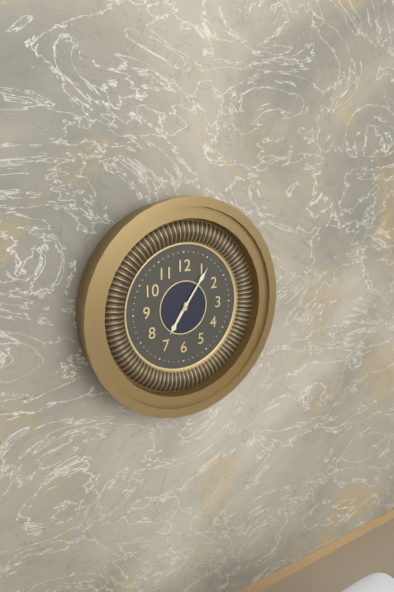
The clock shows h=7 m=6
